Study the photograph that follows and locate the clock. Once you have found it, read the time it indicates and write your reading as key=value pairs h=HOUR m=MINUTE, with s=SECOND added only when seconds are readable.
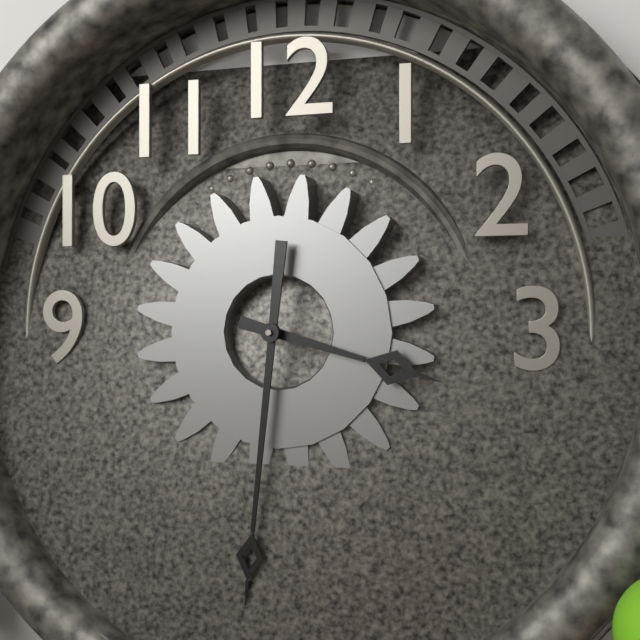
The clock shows h=3 m=31
